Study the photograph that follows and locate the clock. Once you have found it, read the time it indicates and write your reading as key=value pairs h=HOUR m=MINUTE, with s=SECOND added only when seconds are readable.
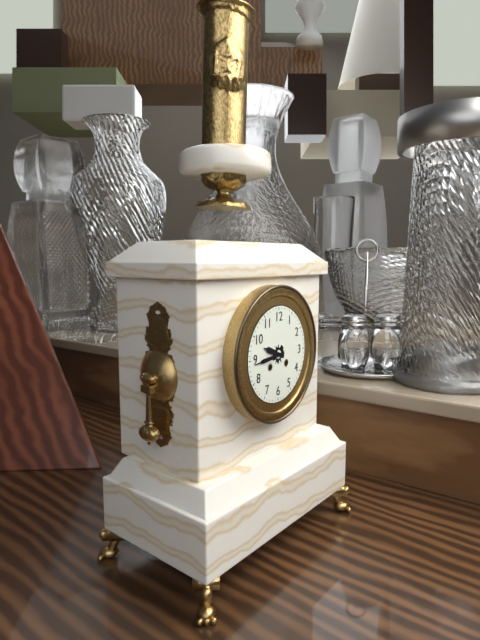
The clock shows h=9 m=44
